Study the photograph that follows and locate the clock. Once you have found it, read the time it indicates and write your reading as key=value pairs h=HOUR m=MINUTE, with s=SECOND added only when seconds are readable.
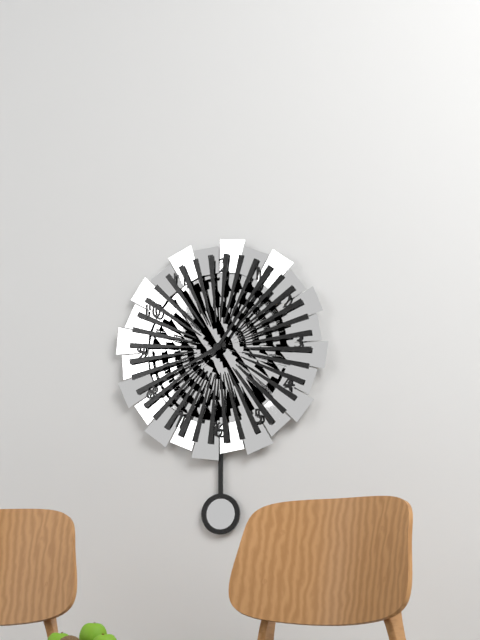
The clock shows h=8 m=6
